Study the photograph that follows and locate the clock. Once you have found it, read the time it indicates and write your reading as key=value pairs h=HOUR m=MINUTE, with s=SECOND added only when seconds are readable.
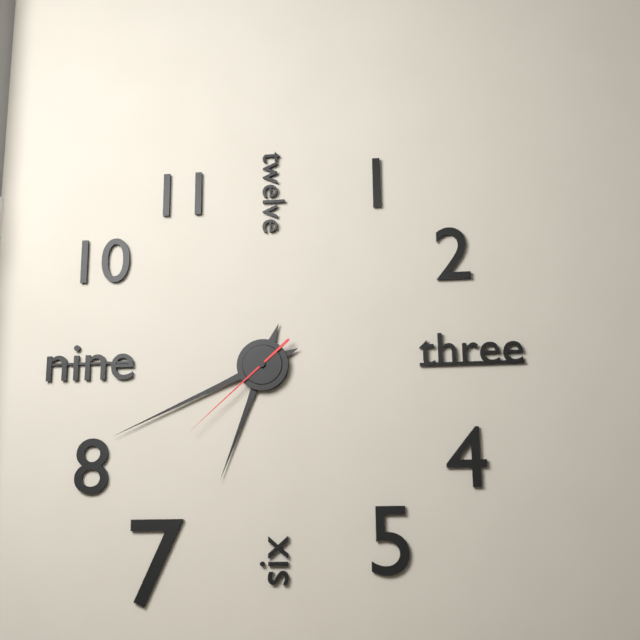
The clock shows h=6 m=41 s=38
